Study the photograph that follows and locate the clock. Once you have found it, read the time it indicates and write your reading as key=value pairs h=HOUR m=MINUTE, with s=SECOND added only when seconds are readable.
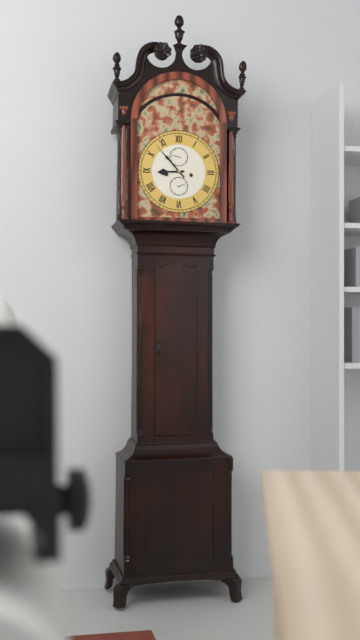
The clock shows h=8 m=53
